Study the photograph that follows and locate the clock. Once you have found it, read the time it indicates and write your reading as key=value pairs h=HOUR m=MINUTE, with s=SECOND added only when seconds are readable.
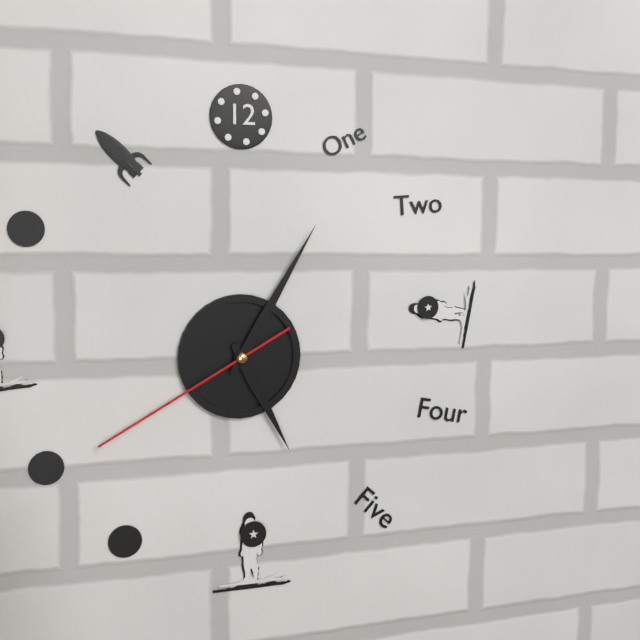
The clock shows h=5 m=5 s=40
